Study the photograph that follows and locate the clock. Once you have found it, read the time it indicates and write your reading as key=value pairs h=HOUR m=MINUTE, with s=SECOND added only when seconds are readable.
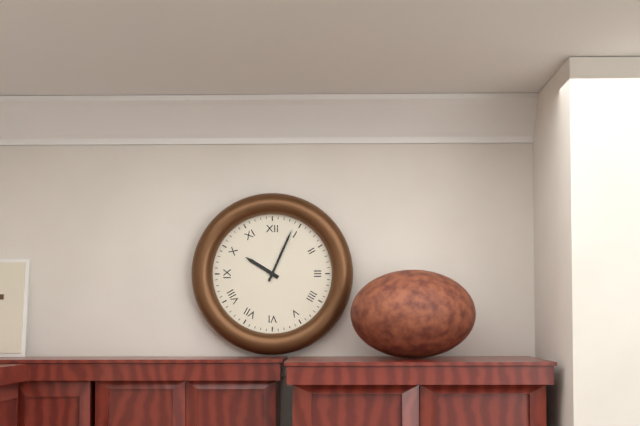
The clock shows h=10 m=4
